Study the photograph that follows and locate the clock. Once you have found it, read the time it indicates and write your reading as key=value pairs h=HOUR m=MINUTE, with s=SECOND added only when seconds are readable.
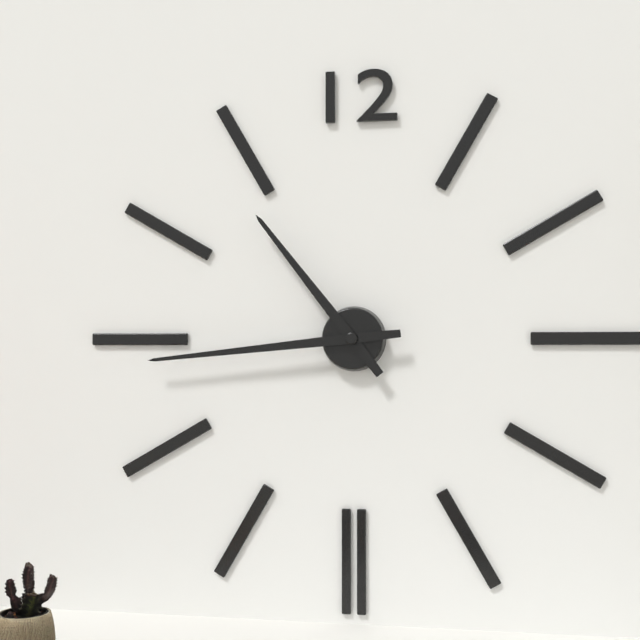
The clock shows h=10 m=44
